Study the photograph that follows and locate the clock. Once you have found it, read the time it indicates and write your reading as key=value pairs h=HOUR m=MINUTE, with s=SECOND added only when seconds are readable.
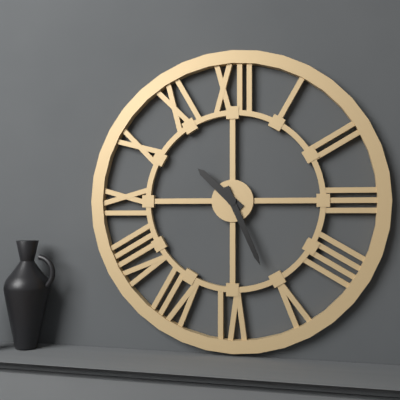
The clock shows h=10 m=26
